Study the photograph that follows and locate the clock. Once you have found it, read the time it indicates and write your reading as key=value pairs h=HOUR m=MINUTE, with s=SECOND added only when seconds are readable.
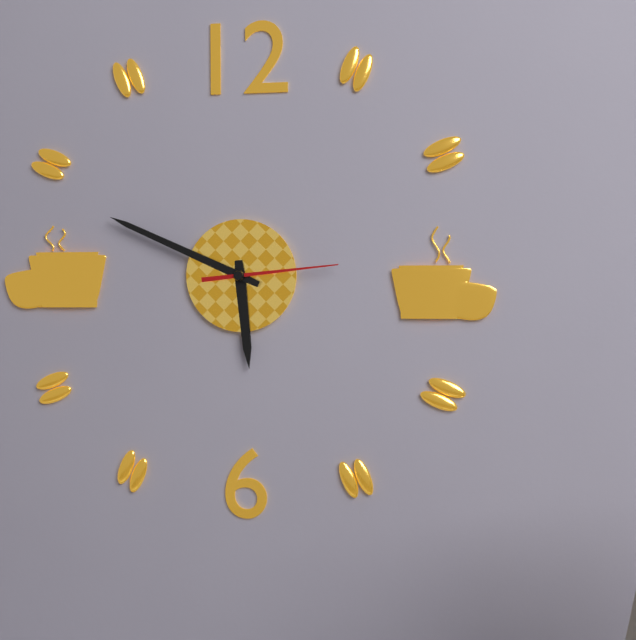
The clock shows h=5 m=49 s=14
